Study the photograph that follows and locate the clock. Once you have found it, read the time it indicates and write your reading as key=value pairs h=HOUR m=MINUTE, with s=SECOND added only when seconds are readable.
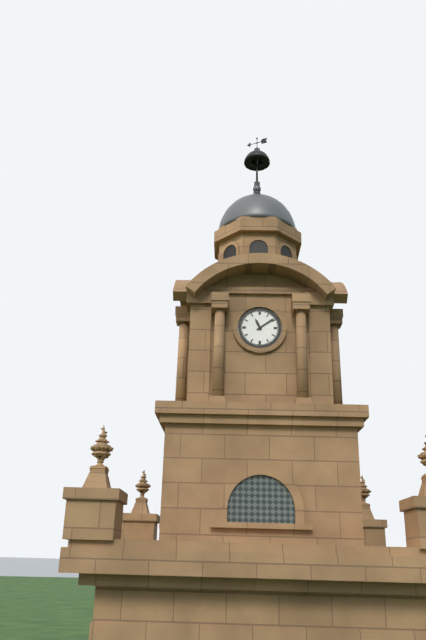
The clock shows h=11 m=9
